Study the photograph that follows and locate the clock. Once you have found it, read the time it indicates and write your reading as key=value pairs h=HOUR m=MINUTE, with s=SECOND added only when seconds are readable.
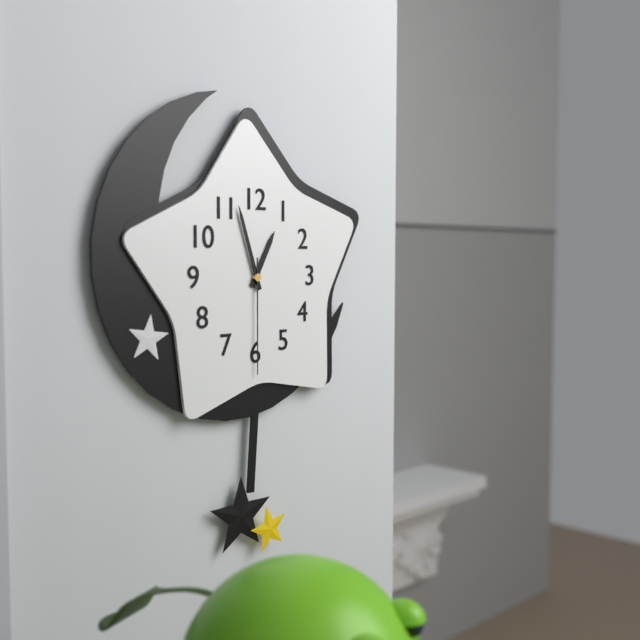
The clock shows h=12 m=57 s=30
